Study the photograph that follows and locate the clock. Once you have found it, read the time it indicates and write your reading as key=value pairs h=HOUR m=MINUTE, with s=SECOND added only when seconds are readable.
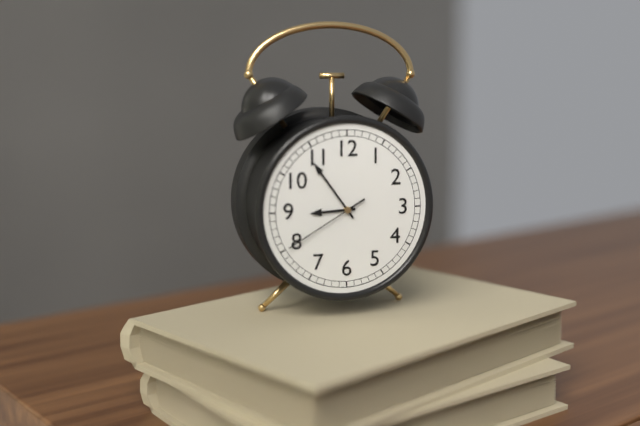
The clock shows h=8 m=54 s=40
